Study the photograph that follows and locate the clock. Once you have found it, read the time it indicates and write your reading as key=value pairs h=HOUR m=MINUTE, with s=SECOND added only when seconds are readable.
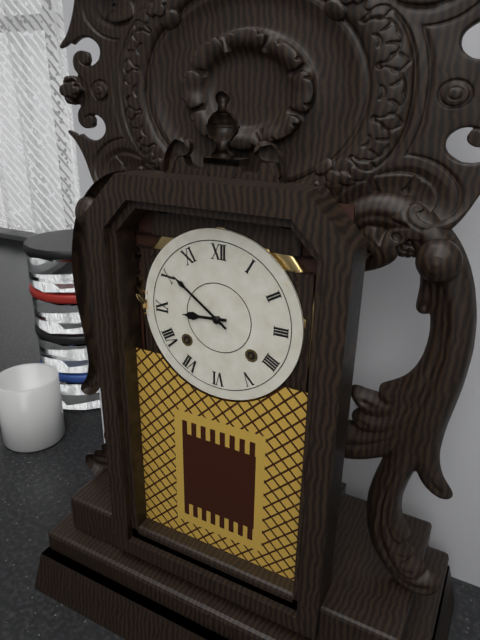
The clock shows h=8 m=51
